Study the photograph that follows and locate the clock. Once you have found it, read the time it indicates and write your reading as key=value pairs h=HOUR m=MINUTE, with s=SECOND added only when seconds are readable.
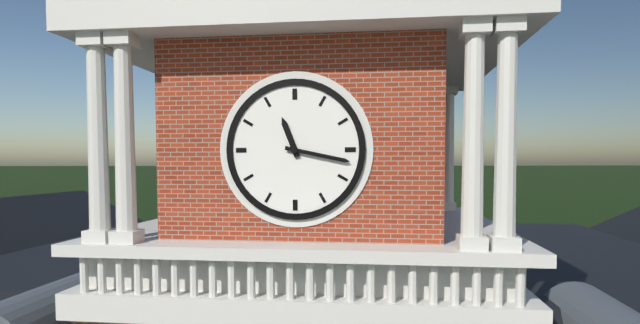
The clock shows h=11 m=17
